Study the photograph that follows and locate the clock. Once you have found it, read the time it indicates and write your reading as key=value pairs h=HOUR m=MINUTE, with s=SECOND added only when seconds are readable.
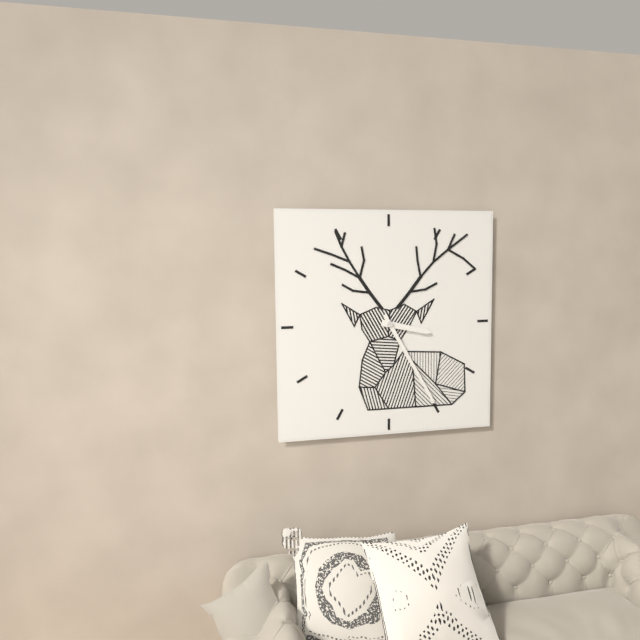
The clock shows h=3 m=25
